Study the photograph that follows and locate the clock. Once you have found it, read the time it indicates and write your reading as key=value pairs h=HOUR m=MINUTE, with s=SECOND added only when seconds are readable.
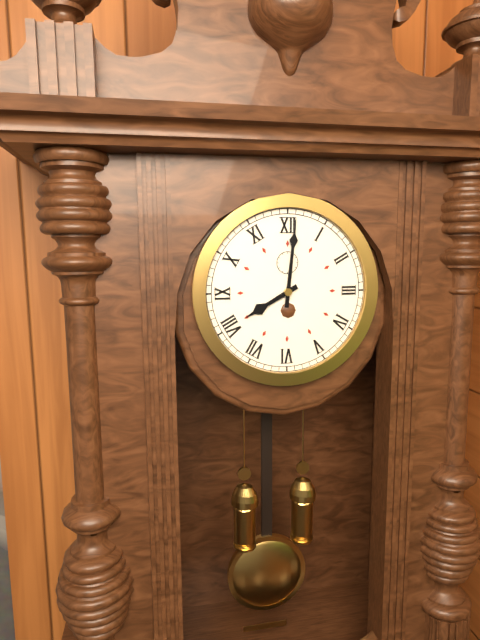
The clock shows h=8 m=1
